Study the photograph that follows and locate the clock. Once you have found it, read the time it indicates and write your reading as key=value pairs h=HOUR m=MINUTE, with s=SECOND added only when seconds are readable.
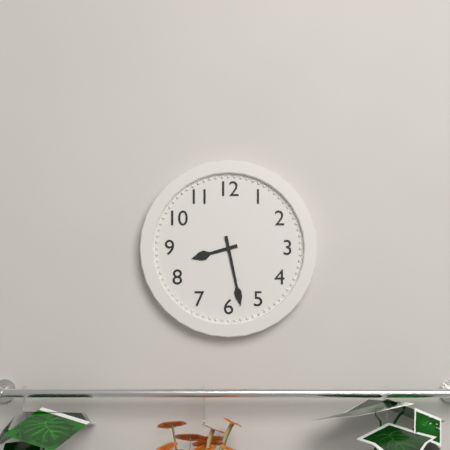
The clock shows h=8 m=28
